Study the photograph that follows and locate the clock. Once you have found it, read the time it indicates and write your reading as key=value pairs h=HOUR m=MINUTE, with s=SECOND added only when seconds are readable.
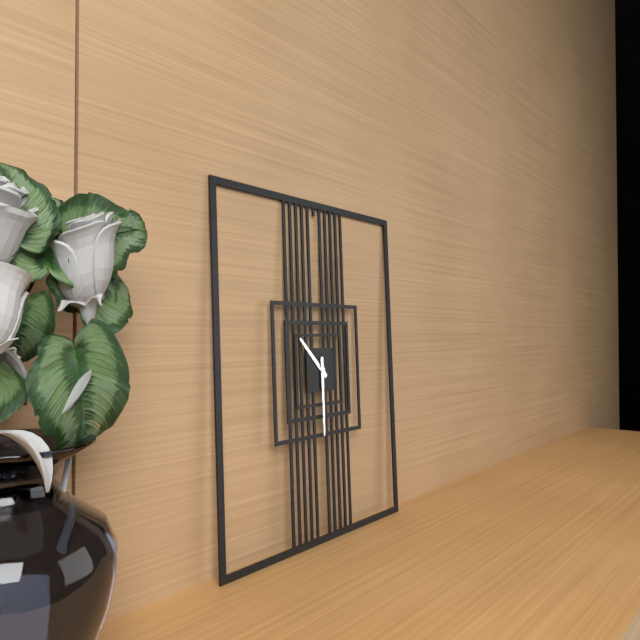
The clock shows h=10 m=30
